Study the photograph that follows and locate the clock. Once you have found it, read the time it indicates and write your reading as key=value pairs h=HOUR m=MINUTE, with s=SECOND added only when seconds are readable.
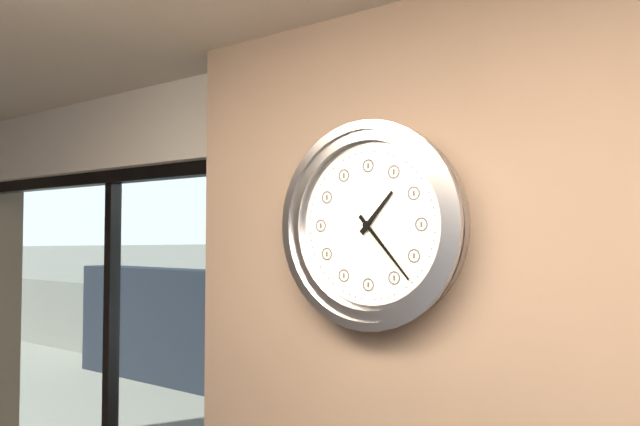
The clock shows h=1 m=23
